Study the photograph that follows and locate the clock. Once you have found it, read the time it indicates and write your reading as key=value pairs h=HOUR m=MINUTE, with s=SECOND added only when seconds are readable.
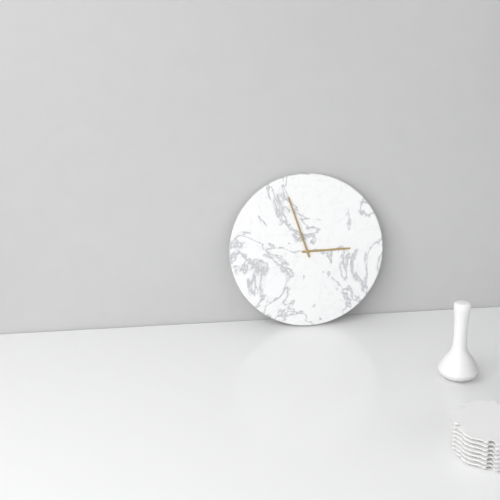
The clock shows h=2 m=57
